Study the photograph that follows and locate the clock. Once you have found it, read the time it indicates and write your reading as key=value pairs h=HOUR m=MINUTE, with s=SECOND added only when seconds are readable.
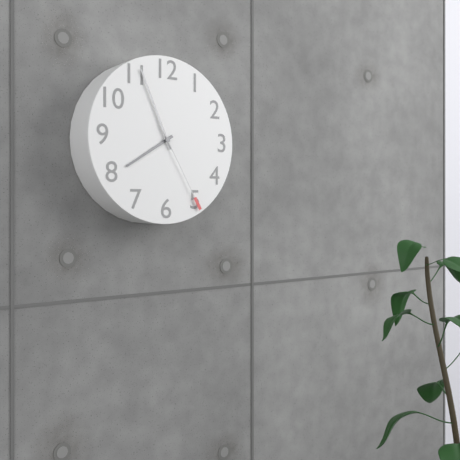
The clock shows h=7 m=56 s=25
